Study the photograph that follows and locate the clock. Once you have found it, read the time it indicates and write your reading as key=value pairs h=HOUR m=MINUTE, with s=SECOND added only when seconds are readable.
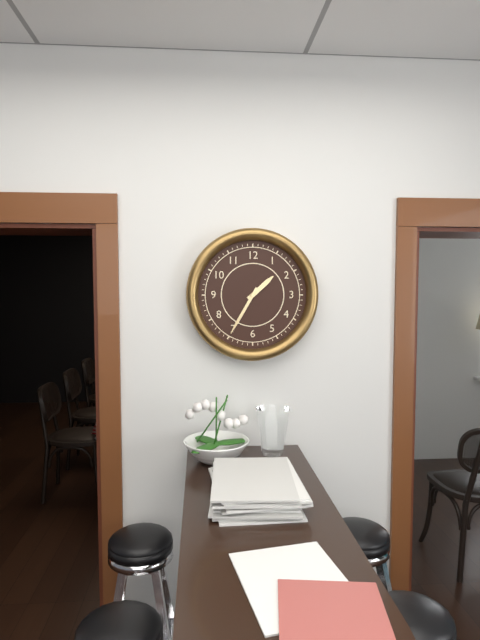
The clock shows h=1 m=35
